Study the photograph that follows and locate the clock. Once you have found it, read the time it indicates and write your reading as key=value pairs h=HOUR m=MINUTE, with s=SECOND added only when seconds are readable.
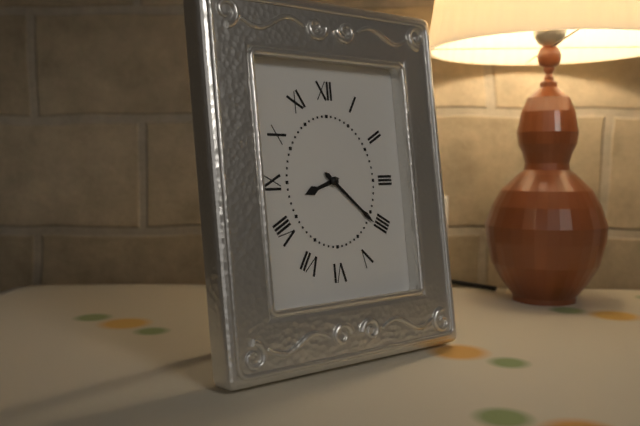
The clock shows h=8 m=22
